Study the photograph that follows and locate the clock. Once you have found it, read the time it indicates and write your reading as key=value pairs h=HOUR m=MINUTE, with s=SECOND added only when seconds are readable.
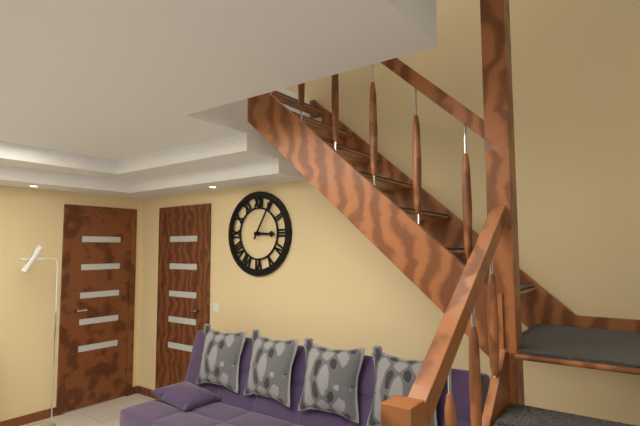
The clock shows h=3 m=5
